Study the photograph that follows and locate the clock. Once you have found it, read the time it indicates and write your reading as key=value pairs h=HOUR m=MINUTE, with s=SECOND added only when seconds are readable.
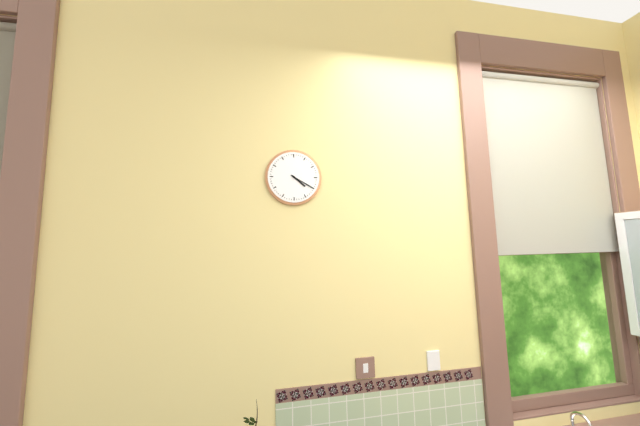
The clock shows h=4 m=20
